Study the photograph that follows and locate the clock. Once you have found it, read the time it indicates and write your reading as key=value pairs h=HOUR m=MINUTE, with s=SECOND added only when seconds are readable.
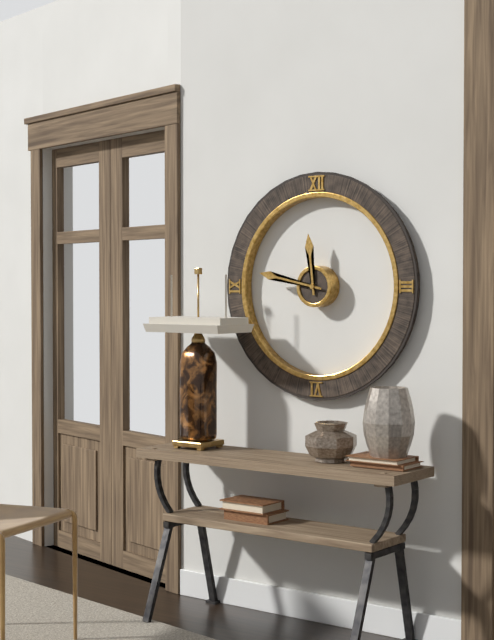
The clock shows h=11 m=47
